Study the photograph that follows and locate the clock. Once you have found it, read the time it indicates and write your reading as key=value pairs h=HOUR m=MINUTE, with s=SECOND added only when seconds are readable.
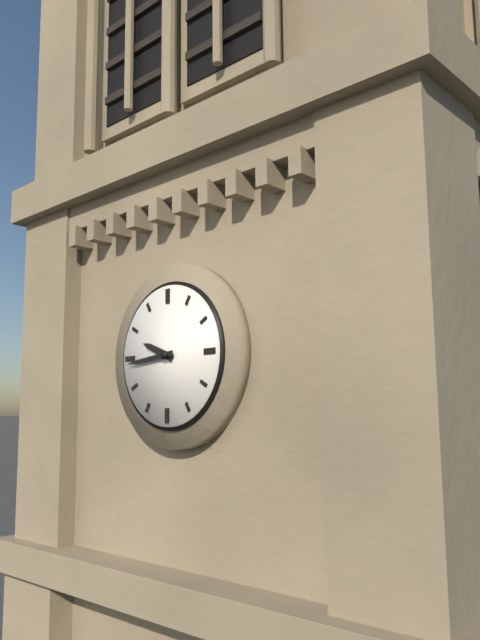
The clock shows h=9 m=44
